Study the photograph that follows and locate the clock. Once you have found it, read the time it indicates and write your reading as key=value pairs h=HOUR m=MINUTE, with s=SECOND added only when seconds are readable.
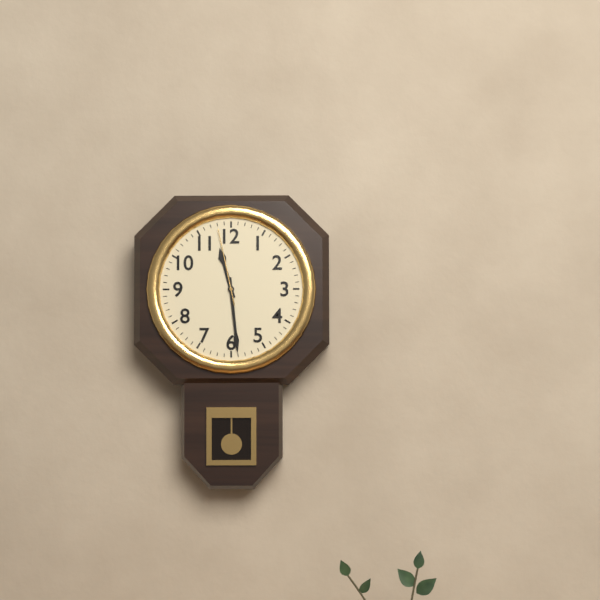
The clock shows h=11 m=29 s=58
